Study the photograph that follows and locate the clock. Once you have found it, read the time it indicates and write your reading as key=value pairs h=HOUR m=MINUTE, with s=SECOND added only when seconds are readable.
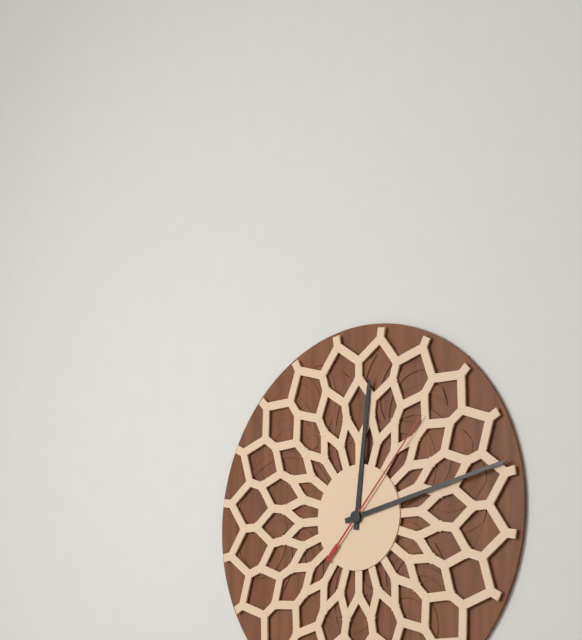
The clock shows h=12 m=13 s=7
